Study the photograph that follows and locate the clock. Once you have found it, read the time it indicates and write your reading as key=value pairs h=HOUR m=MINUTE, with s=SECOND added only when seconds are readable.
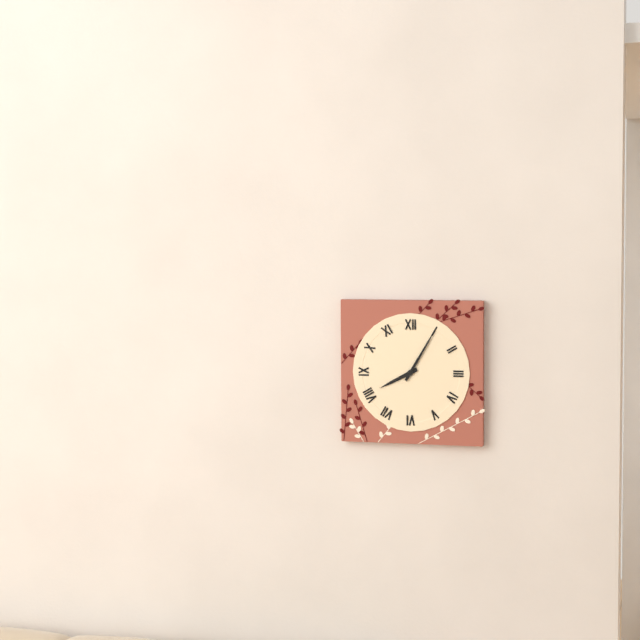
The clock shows h=8 m=5
